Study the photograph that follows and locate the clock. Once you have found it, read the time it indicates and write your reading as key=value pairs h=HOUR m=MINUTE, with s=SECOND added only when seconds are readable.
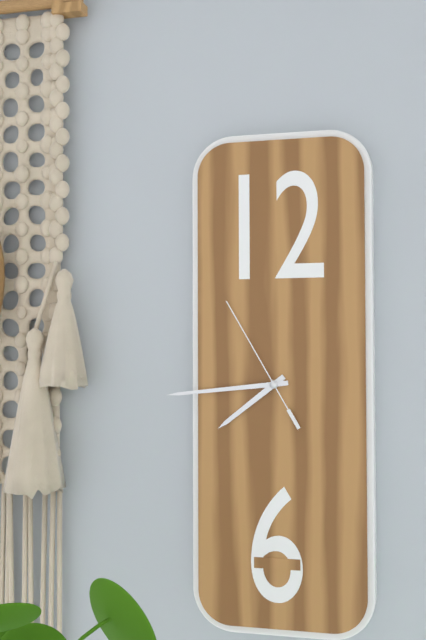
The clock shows h=7 m=44 s=55
